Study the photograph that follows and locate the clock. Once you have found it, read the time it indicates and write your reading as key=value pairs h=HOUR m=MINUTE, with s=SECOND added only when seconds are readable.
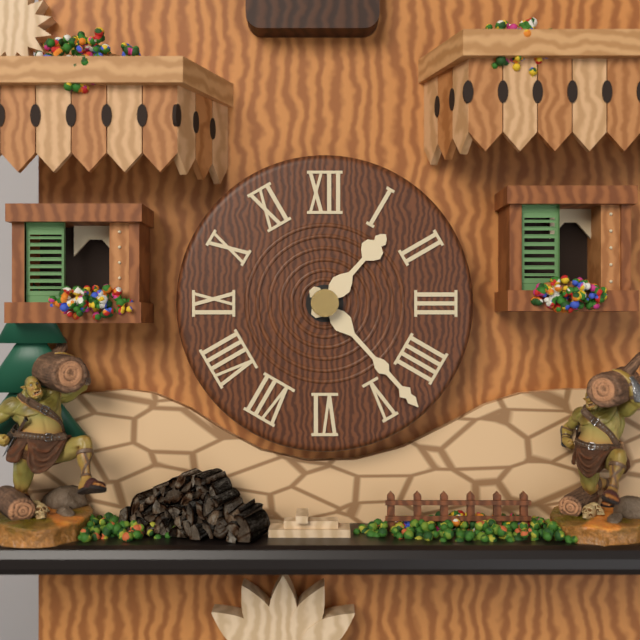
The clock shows h=1 m=23
